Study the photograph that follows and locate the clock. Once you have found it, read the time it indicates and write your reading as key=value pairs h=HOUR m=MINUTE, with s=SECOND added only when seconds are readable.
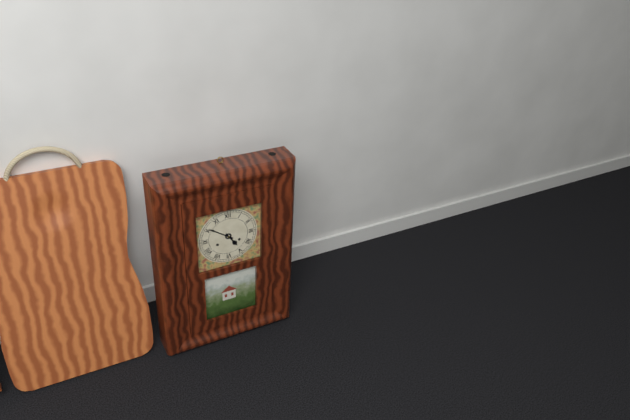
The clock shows h=4 m=51
